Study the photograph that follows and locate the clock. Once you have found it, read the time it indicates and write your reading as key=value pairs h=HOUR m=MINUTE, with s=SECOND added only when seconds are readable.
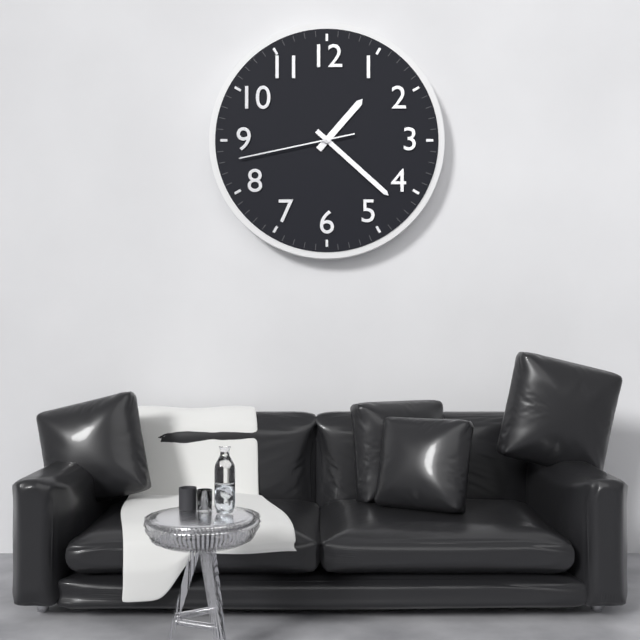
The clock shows h=1 m=22 s=43
